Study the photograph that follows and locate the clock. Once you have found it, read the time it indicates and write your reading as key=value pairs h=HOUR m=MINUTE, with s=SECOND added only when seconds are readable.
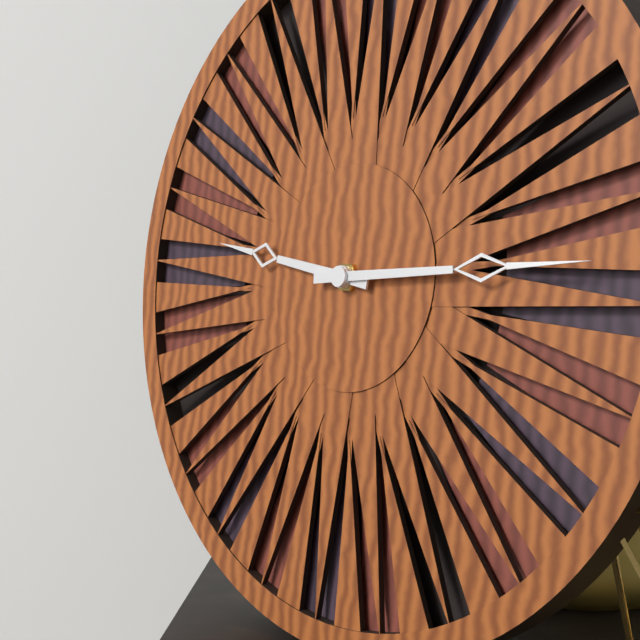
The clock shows h=9 m=14
